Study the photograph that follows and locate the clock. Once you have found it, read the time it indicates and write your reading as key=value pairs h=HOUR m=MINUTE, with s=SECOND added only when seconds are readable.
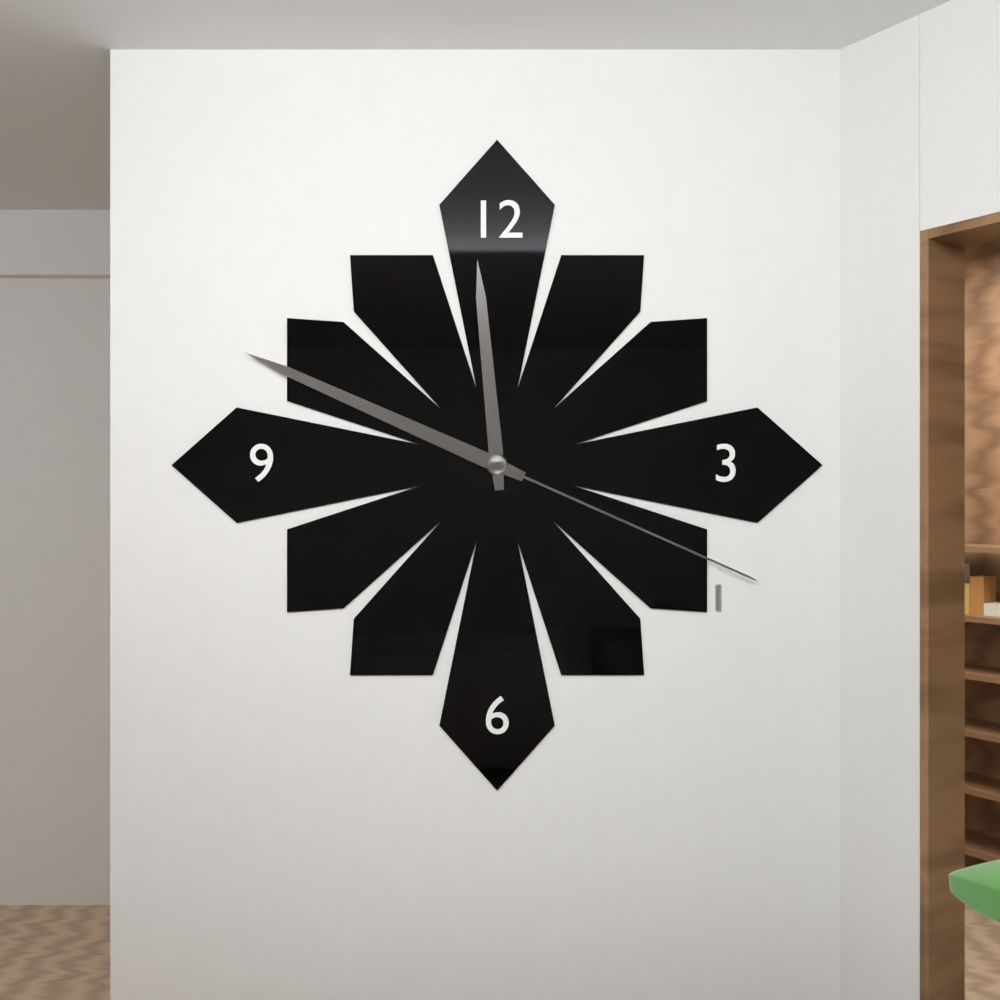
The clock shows h=11 m=49 s=19
